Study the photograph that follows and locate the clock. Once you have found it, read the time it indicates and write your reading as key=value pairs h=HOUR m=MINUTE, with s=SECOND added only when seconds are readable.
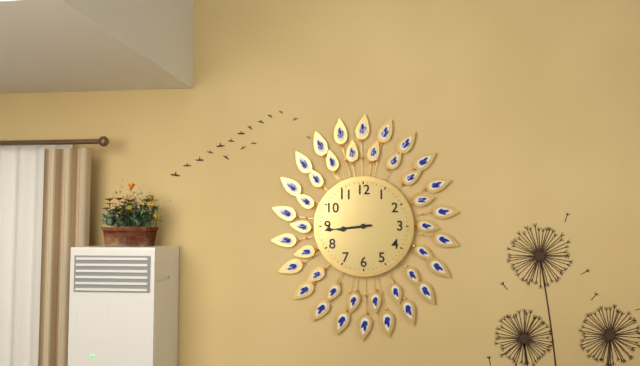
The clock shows h=8 m=44
